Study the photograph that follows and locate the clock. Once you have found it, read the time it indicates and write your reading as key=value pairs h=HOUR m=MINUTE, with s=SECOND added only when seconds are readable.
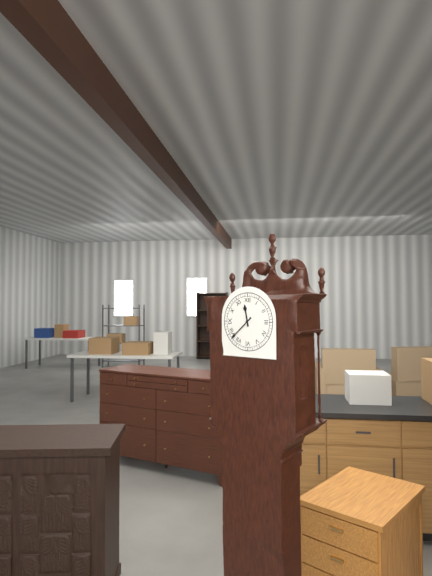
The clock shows h=11 m=38
